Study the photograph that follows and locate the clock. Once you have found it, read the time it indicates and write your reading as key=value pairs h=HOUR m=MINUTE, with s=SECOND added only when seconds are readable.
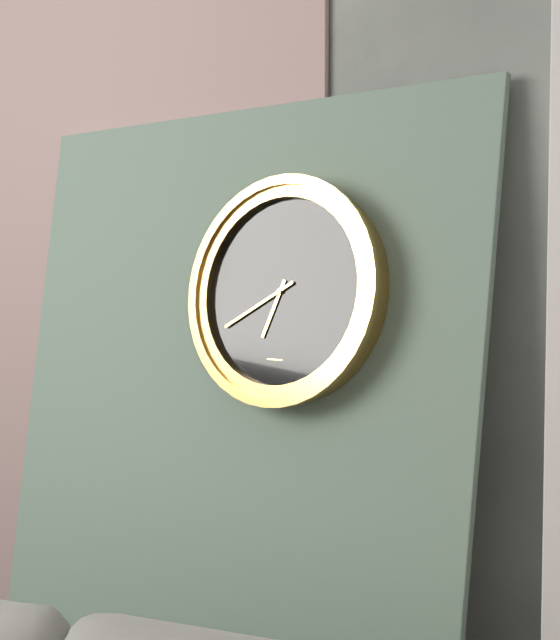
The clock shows h=6 m=40
